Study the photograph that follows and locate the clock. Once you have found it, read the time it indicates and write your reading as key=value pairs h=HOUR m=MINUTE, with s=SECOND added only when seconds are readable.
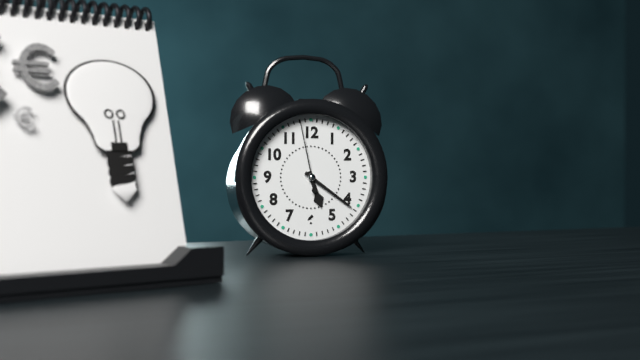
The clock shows h=5 m=21 s=58
